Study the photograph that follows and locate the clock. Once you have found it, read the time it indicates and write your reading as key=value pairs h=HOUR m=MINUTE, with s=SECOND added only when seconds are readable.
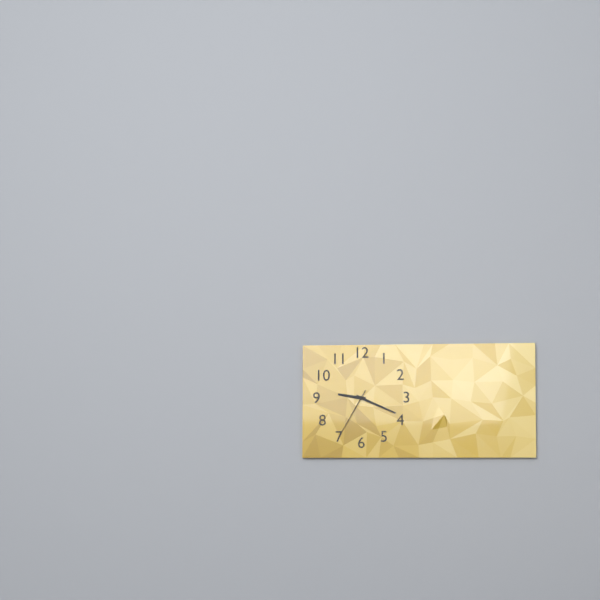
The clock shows h=9 m=19
